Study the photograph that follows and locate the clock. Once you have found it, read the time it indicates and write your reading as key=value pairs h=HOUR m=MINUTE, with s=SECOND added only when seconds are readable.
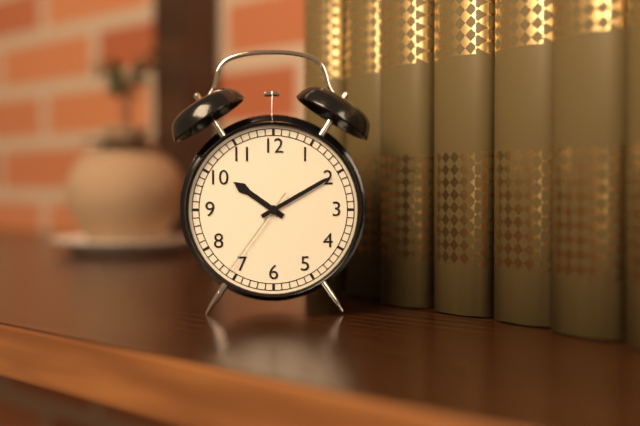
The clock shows h=10 m=10 s=36
